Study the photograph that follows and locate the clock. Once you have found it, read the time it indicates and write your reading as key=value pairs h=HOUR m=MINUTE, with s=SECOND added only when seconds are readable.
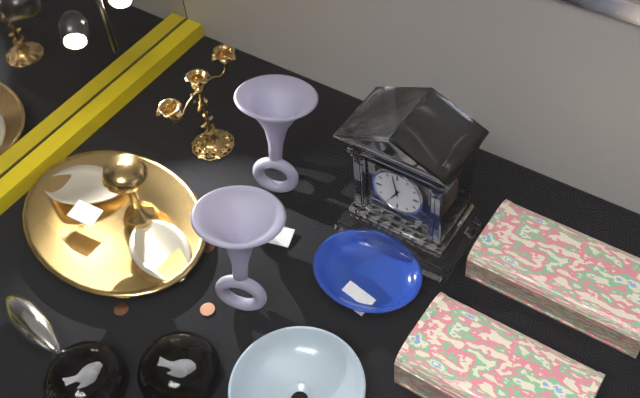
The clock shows h=6 m=58
